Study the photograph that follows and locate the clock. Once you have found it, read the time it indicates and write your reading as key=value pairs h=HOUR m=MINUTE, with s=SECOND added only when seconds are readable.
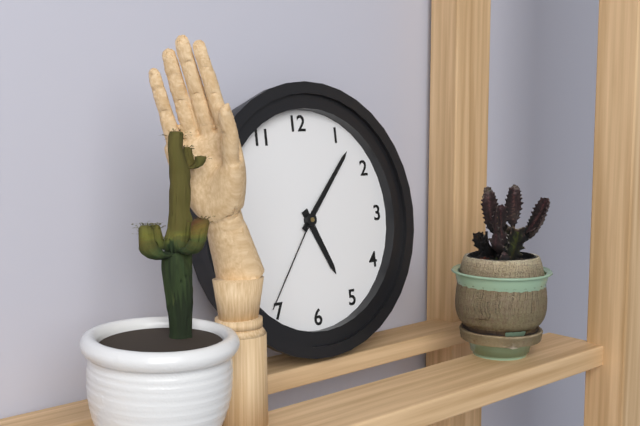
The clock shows h=5 m=7 s=36
